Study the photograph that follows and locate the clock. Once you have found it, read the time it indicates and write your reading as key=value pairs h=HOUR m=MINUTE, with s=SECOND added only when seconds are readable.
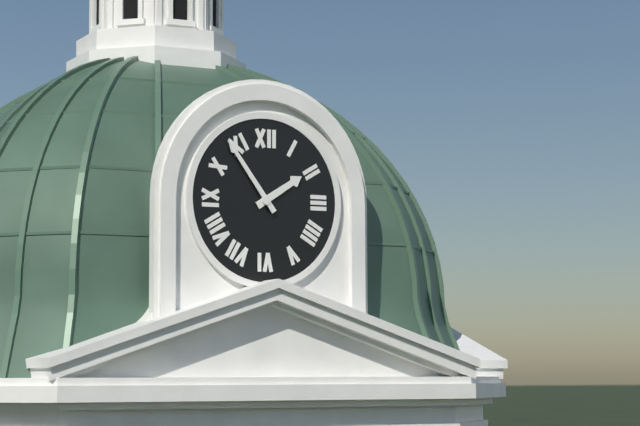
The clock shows h=1 m=54
